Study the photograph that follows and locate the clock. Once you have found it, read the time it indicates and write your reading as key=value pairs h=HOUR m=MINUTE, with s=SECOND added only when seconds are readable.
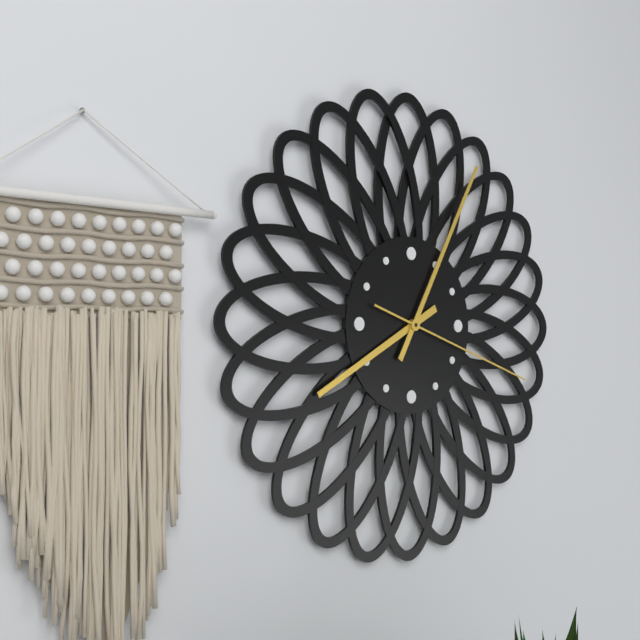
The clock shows h=8 m=5 s=18
